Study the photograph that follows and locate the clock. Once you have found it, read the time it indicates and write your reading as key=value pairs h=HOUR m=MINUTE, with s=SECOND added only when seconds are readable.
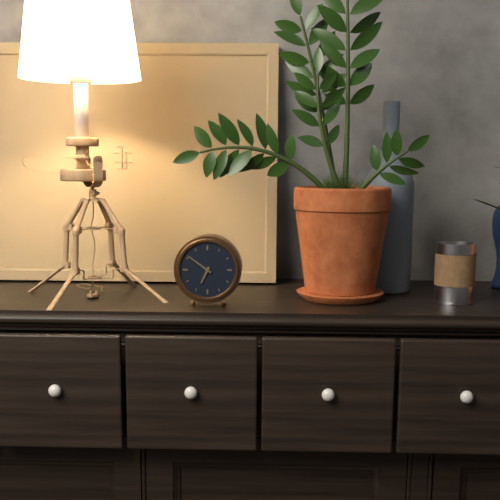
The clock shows h=6 m=51
